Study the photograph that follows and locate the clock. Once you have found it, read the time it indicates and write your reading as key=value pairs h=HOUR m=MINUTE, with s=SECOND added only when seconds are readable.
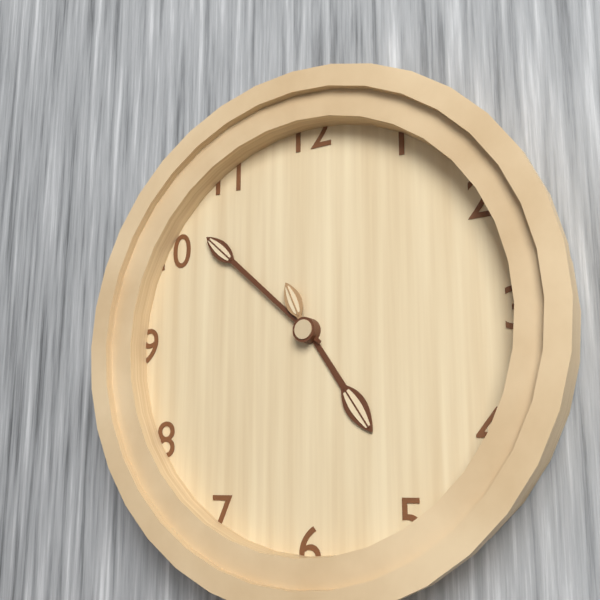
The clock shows h=4 m=52 s=56
